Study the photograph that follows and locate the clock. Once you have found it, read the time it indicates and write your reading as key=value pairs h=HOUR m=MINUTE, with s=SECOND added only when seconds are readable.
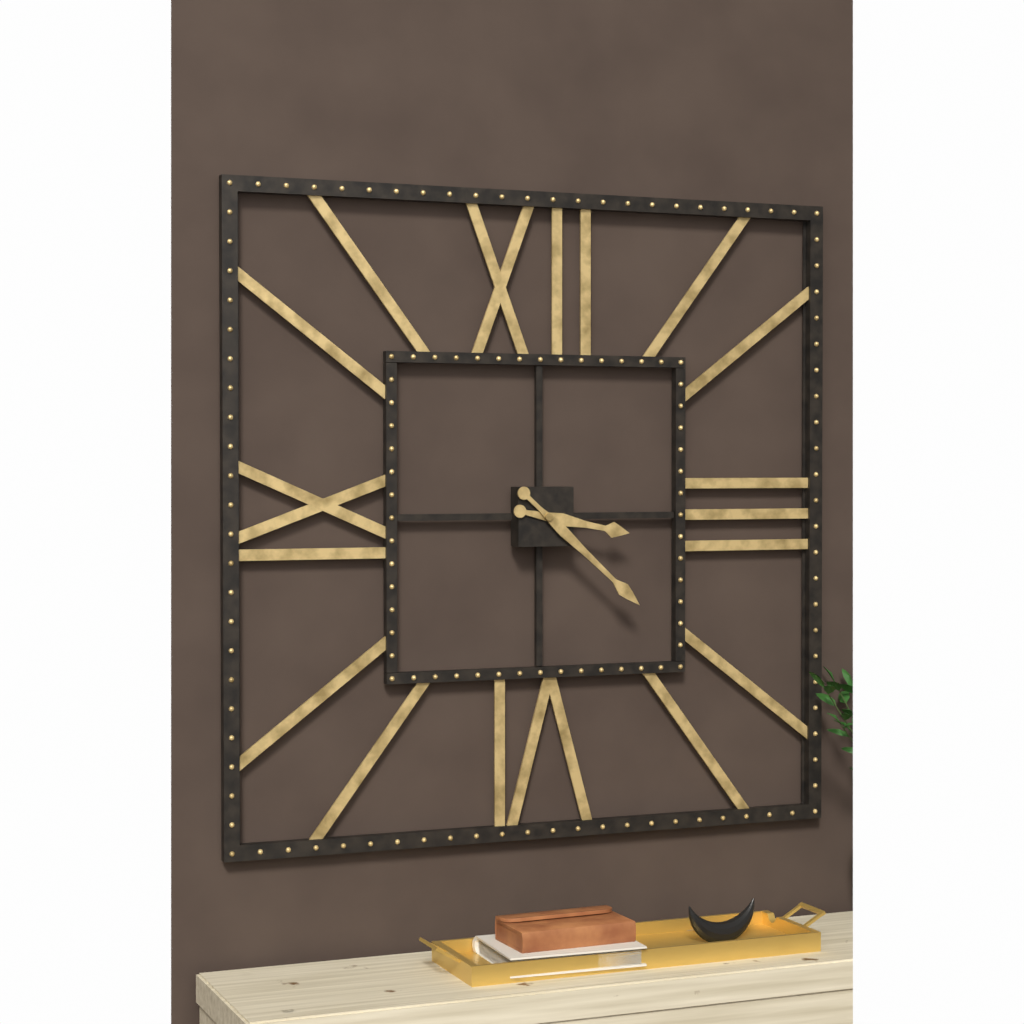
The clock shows h=3 m=22
